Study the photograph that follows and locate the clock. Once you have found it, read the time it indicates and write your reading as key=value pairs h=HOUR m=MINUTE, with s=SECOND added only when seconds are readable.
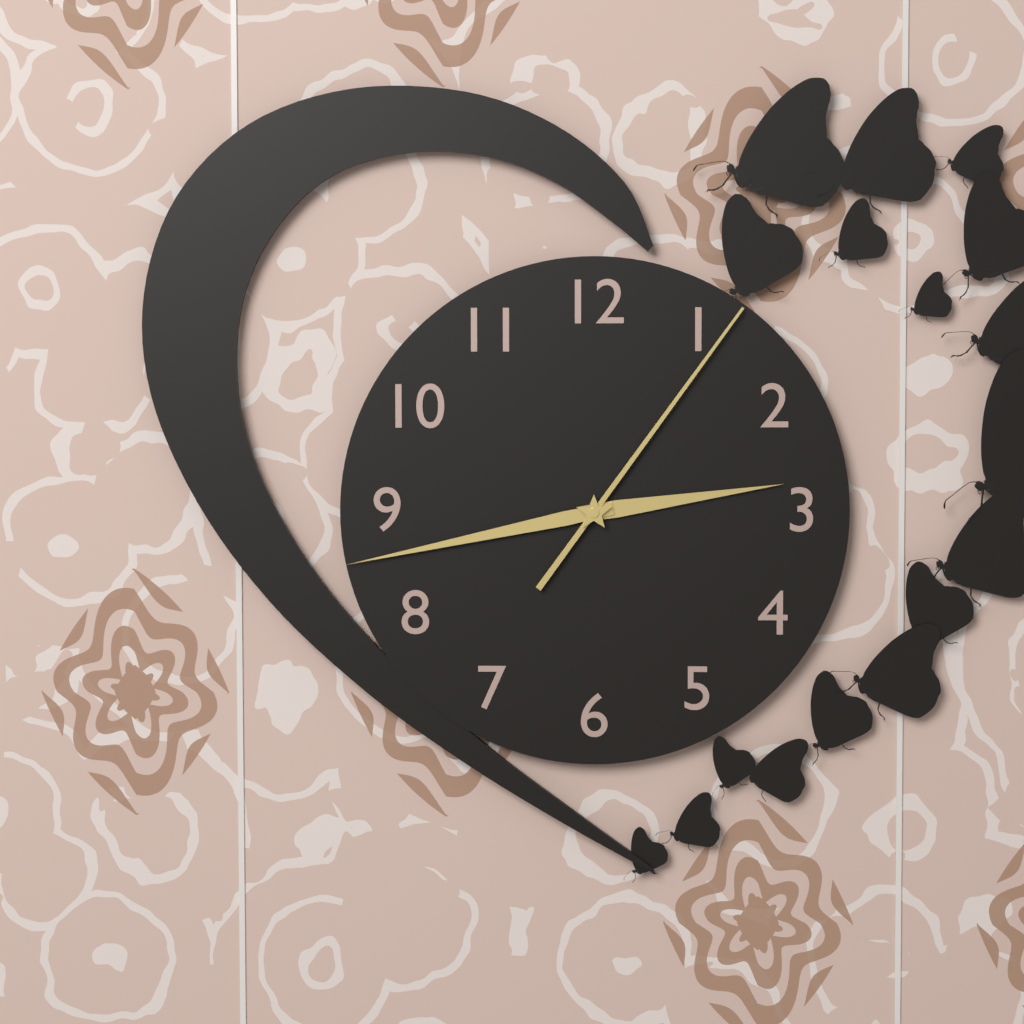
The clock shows h=2 m=43 s=6
